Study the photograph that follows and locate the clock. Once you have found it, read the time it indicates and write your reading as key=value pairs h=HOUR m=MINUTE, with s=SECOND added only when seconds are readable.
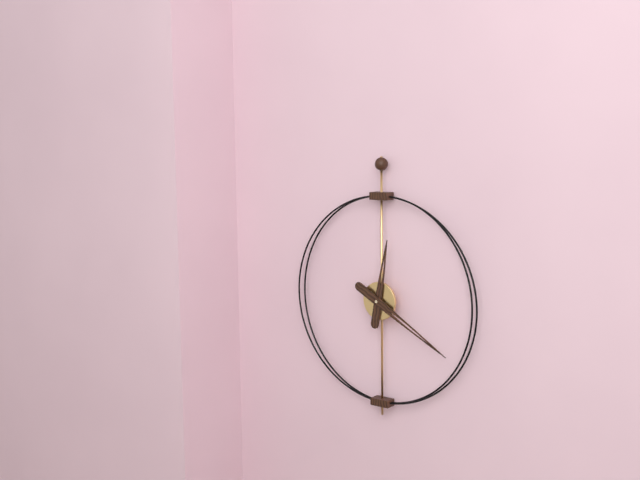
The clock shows h=12 m=20
